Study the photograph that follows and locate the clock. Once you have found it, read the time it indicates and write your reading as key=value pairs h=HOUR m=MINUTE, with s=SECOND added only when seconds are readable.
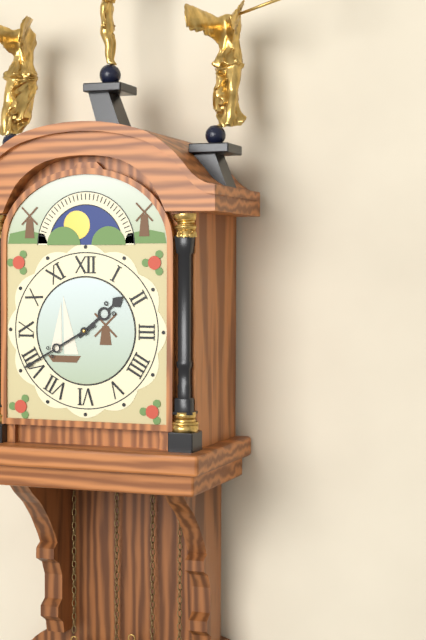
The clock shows h=1 m=40
